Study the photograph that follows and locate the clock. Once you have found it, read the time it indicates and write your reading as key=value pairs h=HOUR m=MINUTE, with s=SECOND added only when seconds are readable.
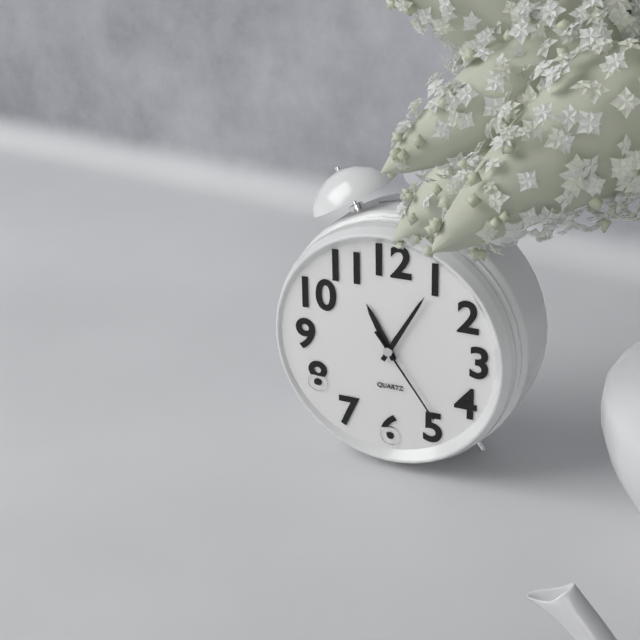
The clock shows h=11 m=5 s=24
